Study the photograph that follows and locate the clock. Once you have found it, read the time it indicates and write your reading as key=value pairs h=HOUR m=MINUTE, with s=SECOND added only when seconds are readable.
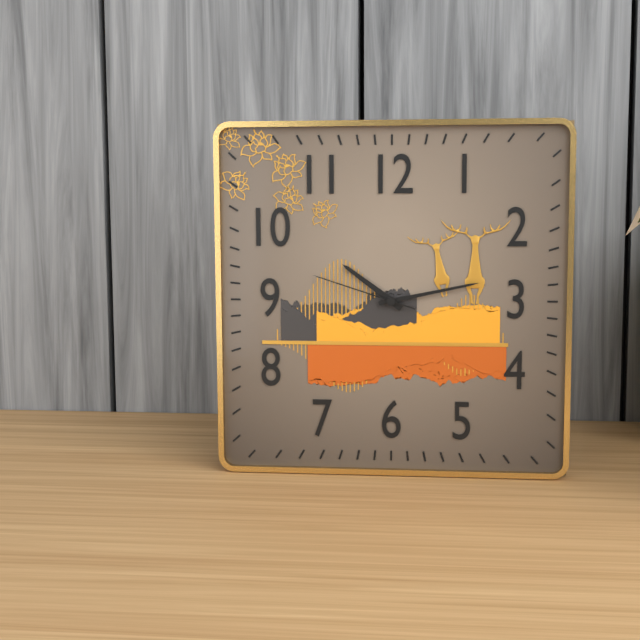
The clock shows h=10 m=13 s=48
